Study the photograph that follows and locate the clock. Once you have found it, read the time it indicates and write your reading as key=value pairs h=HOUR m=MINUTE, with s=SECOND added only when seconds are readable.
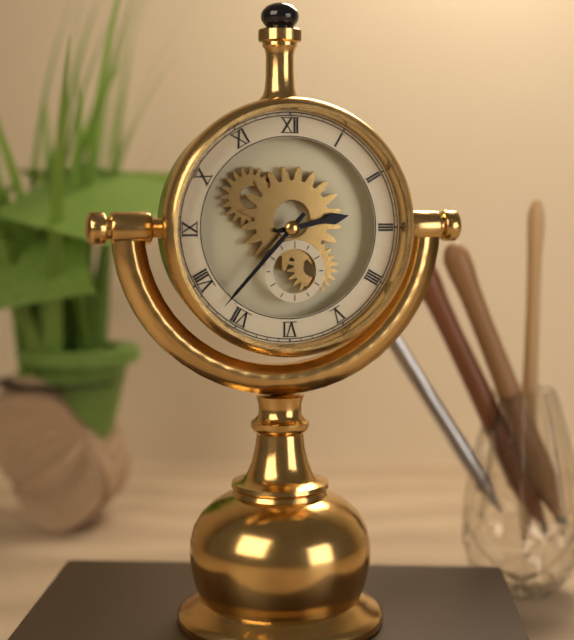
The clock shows h=2 m=37
